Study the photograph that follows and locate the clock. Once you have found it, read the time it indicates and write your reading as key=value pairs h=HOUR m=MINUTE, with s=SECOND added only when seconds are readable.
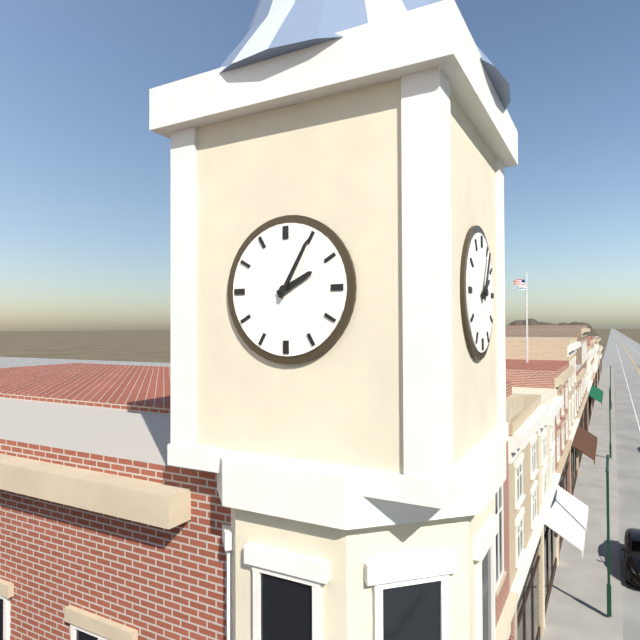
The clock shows h=2 m=5
